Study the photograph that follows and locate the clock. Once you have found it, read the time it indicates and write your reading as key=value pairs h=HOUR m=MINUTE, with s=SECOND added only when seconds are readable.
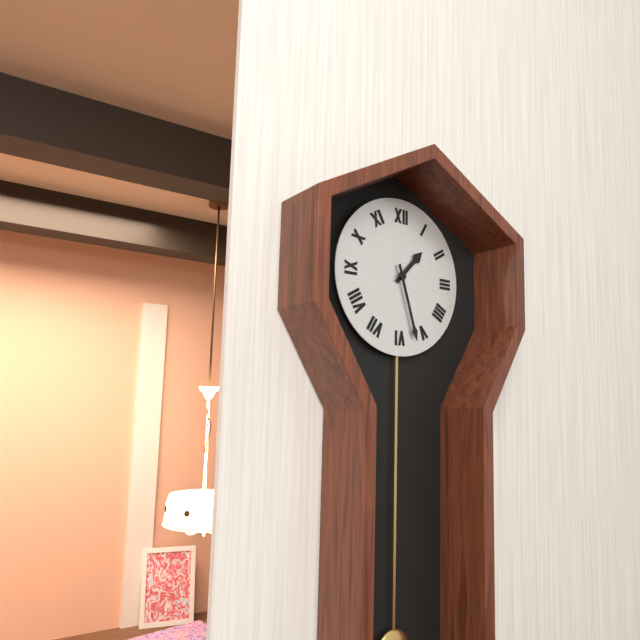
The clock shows h=1 m=27
